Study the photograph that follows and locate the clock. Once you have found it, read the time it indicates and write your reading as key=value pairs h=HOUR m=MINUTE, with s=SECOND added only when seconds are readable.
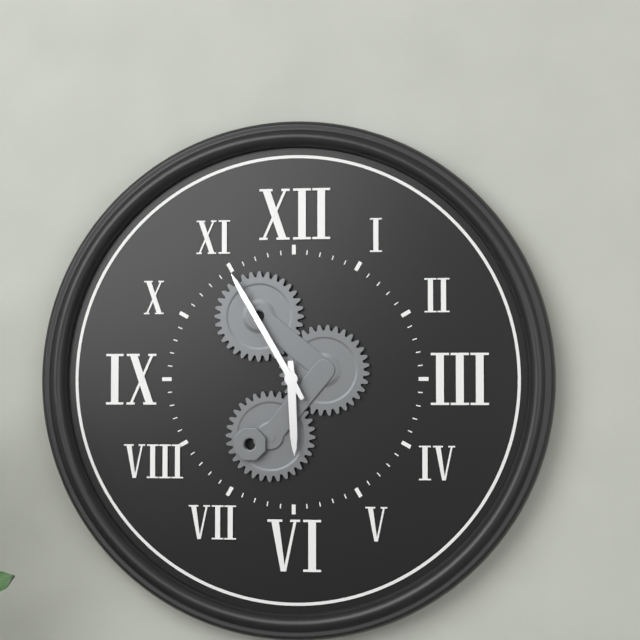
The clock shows h=5 m=55
